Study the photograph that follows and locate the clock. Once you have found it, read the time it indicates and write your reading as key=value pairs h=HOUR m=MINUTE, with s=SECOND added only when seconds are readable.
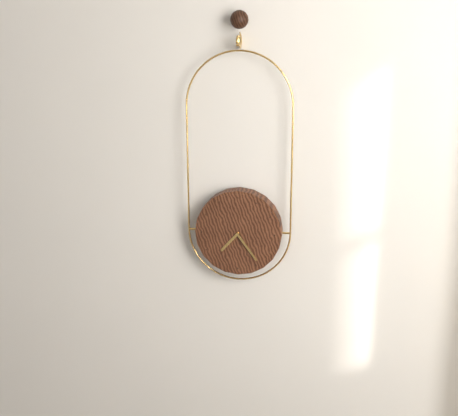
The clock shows h=7 m=24
